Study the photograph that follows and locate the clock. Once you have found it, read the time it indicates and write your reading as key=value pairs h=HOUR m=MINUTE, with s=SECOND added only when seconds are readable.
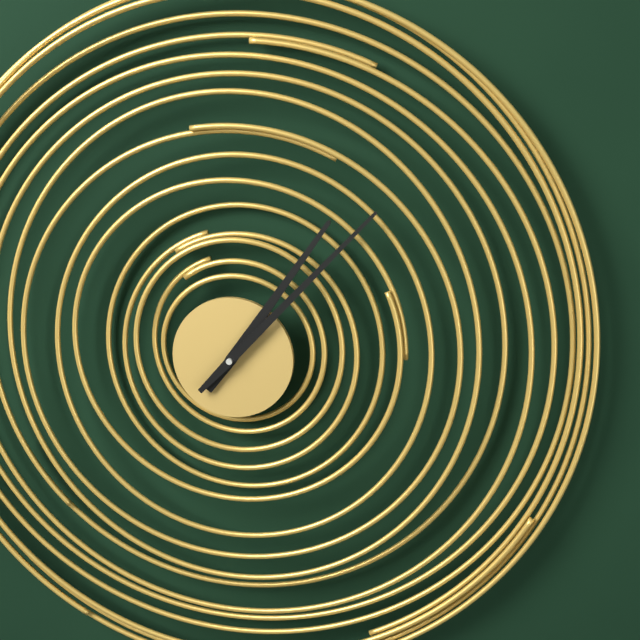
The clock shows h=1 m=7
